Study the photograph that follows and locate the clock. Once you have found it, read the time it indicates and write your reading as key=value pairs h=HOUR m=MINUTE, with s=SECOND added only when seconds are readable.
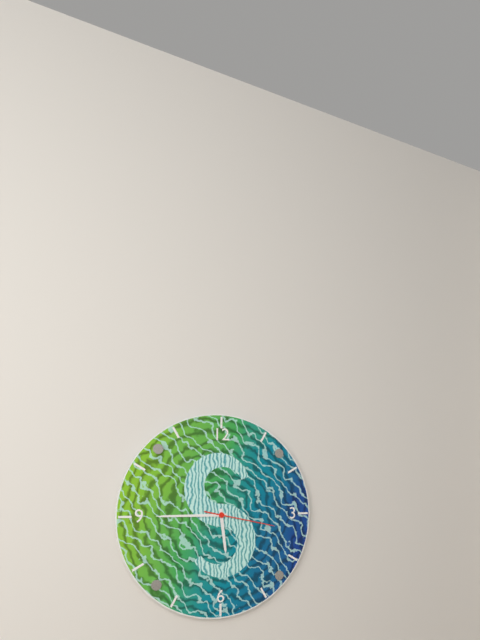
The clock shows h=5 m=45 s=17
